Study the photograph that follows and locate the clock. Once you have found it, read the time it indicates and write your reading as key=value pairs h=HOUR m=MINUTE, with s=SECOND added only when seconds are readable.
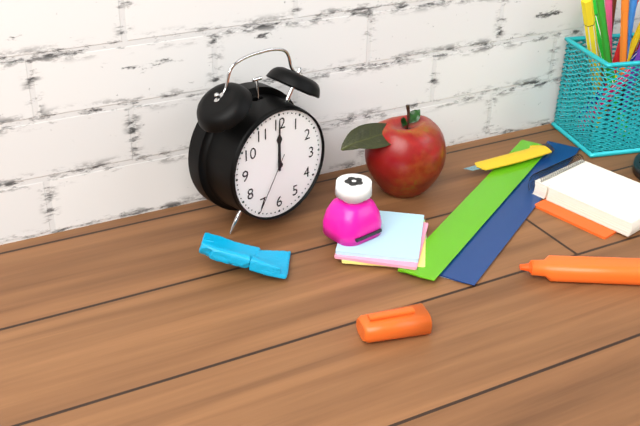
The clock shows h=12 m=0 s=35
